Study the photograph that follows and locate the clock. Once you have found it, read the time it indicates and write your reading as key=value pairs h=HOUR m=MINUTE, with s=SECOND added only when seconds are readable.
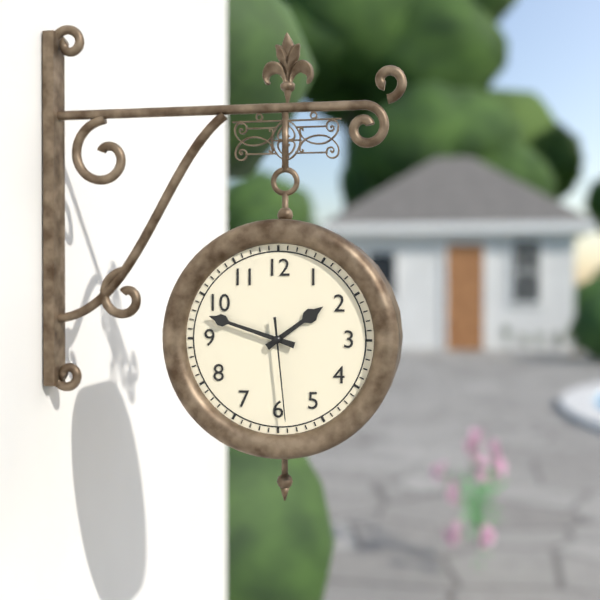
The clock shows h=1 m=48 s=29
